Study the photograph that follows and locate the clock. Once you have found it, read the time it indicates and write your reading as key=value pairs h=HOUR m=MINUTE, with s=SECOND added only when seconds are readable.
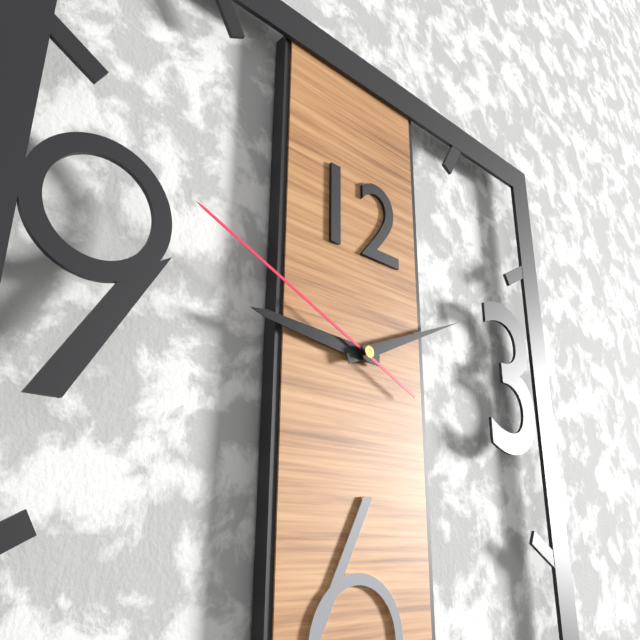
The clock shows h=9 m=11 s=49
